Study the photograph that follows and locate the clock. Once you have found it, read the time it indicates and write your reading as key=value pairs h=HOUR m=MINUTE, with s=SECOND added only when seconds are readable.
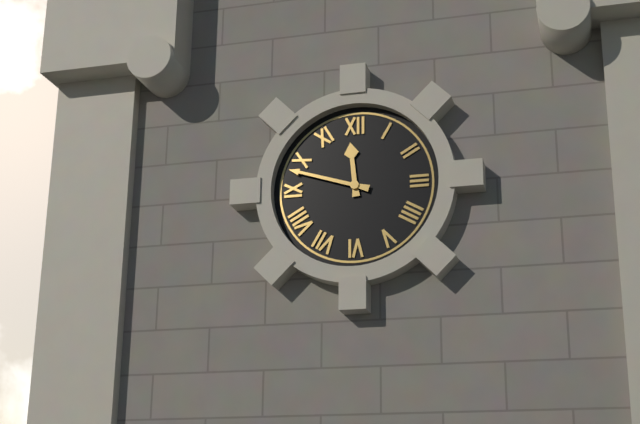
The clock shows h=11 m=48
